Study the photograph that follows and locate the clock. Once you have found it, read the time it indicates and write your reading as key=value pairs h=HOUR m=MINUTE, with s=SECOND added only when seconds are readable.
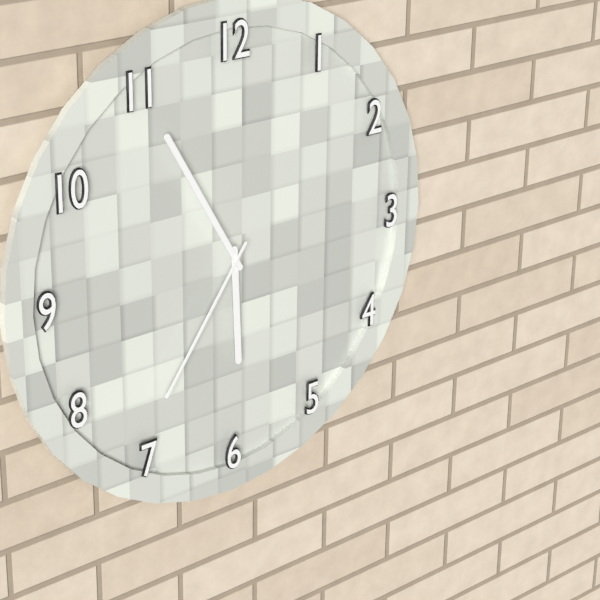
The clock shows h=5 m=55 s=36
